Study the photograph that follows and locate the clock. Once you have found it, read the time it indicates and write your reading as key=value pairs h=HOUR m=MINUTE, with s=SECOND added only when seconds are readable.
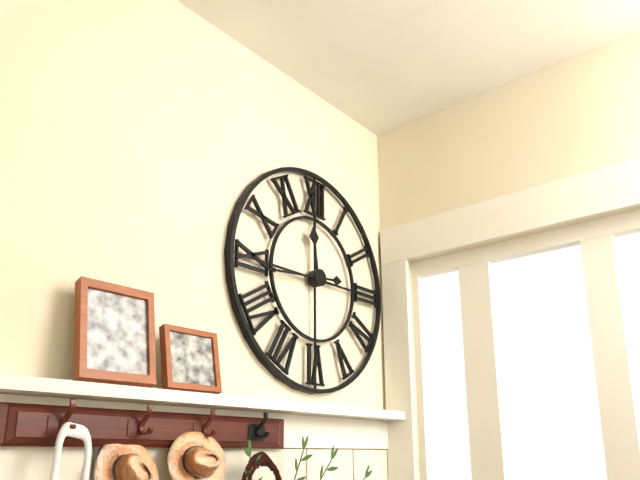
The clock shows h=11 m=44
